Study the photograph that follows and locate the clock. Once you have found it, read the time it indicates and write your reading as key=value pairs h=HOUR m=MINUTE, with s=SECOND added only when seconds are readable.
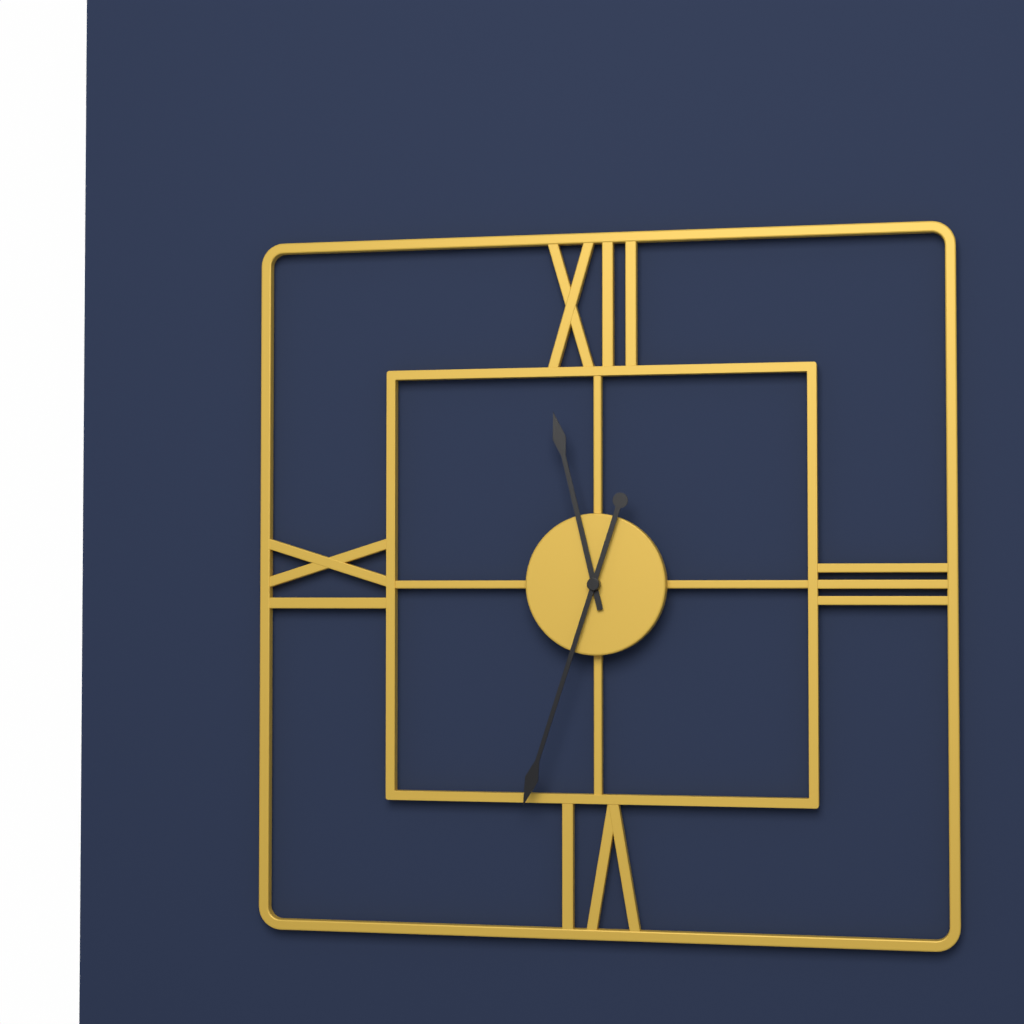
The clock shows h=11 m=33
